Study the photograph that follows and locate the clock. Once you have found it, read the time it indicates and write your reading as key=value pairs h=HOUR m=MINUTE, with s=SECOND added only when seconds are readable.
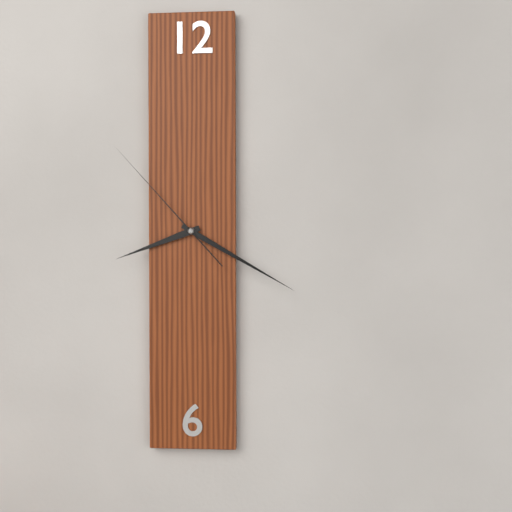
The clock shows h=8 m=20 s=53
